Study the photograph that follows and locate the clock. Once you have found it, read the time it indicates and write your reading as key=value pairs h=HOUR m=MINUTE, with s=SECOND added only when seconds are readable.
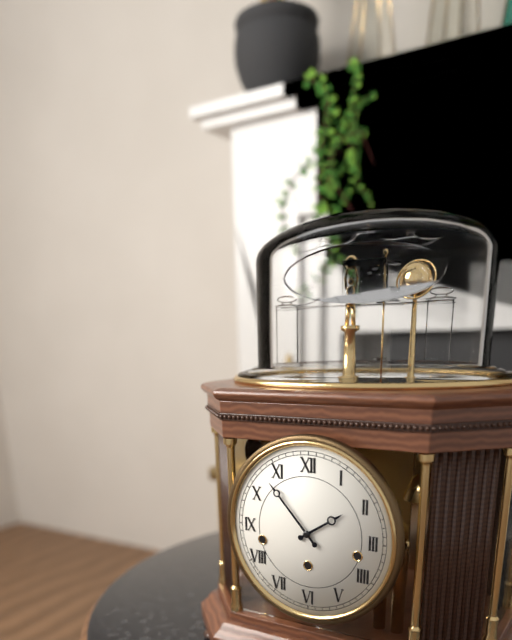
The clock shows h=1 m=53
